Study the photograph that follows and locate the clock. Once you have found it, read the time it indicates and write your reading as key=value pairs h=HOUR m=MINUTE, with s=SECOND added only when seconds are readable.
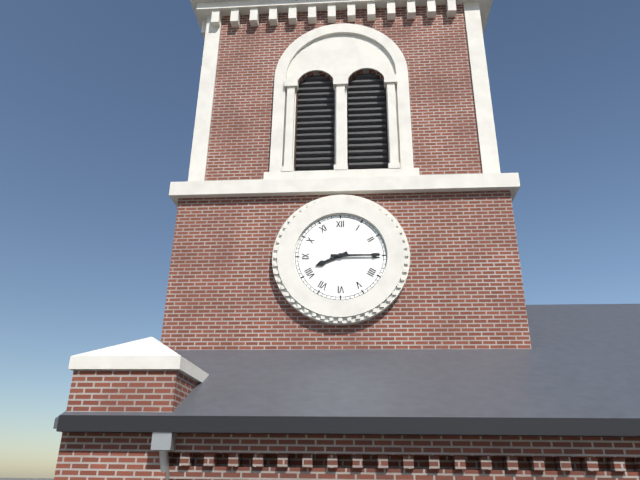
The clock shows h=8 m=15
